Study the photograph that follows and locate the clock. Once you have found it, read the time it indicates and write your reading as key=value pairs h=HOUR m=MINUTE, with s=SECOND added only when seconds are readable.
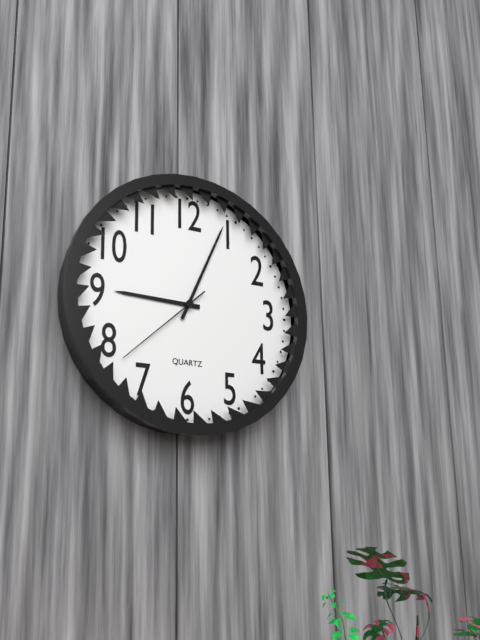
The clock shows h=9 m=4 s=38
